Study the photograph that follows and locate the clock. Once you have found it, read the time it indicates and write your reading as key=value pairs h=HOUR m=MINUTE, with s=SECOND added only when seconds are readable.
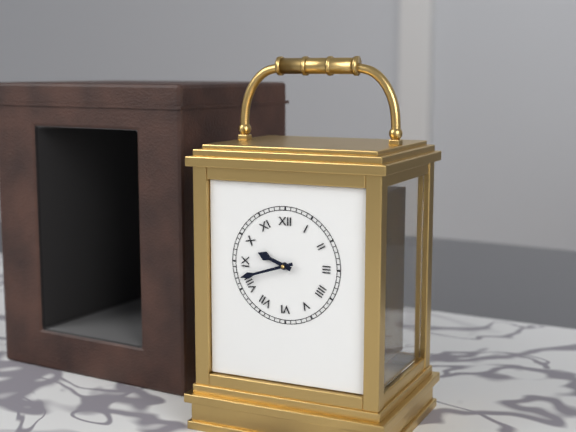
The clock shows h=9 m=42
